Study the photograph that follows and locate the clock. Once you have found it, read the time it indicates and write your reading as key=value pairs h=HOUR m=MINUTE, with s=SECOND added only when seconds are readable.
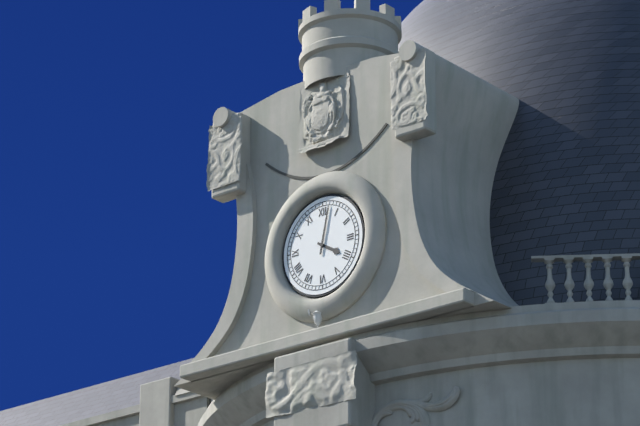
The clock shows h=4 m=2
